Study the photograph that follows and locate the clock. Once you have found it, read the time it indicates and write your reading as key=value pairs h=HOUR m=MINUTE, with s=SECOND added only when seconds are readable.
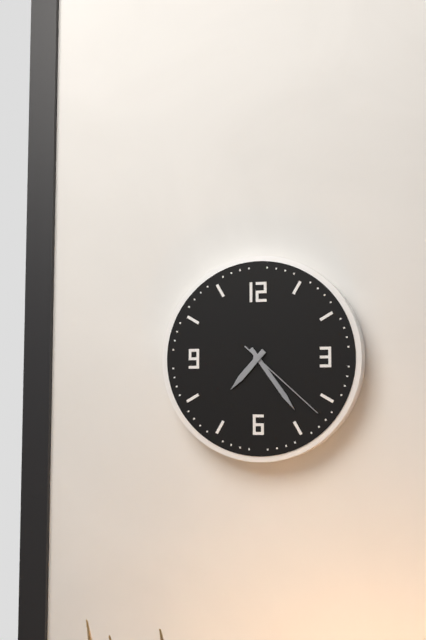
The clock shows h=7 m=24 s=22
